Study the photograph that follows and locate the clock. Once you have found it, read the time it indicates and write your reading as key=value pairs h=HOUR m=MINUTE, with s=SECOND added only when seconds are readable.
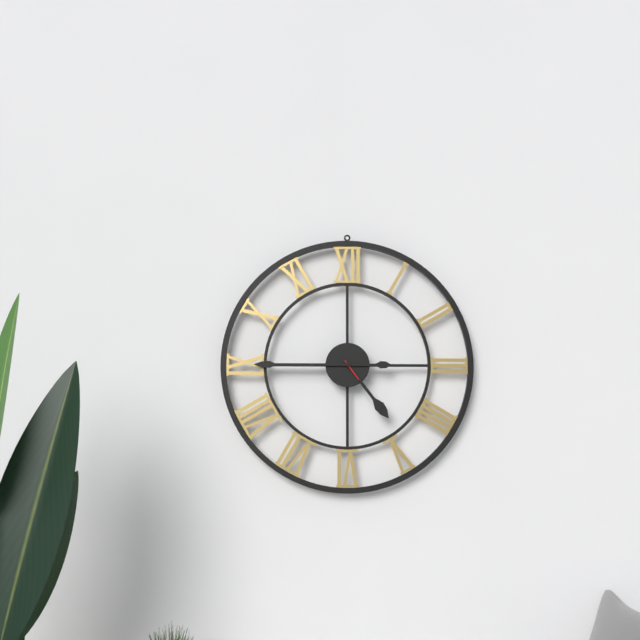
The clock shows h=4 m=45
